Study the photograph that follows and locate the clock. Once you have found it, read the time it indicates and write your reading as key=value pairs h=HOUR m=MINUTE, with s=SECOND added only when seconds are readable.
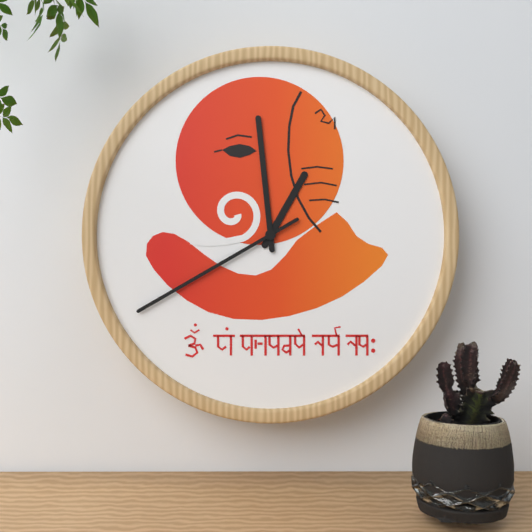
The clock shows h=12 m=59 s=40
